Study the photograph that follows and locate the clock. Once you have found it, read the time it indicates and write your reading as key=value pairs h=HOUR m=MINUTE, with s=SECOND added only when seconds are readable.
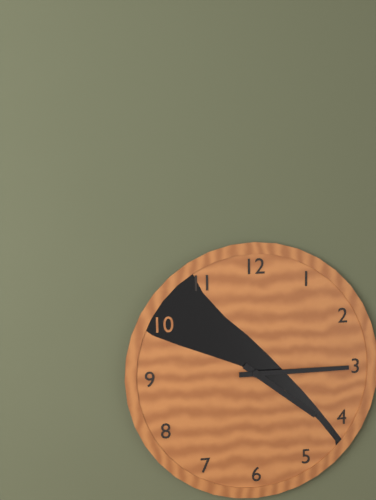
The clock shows h=4 m=15
